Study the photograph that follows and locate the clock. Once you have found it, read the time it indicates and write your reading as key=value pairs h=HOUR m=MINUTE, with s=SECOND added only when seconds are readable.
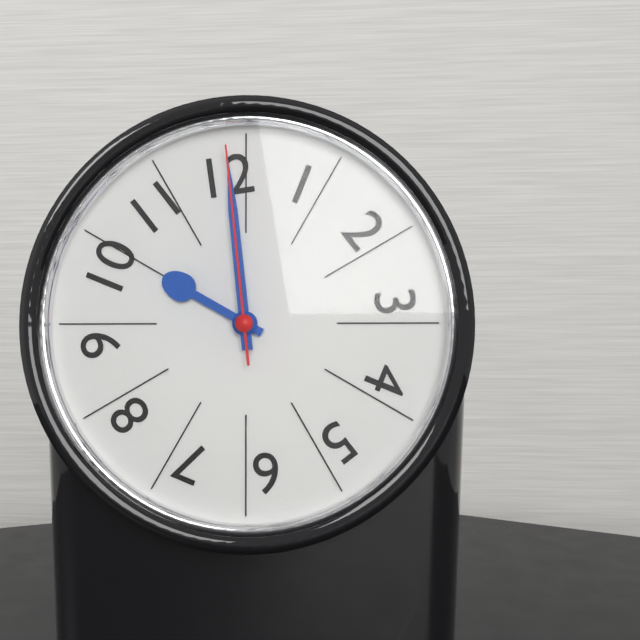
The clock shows h=9 m=59 s=59
